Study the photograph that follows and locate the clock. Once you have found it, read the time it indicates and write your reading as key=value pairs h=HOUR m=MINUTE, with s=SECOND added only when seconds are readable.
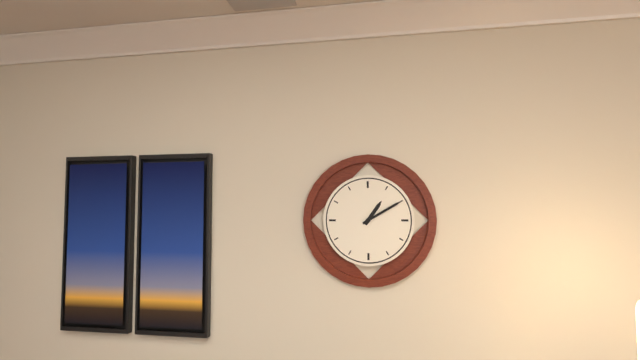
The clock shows h=1 m=10
